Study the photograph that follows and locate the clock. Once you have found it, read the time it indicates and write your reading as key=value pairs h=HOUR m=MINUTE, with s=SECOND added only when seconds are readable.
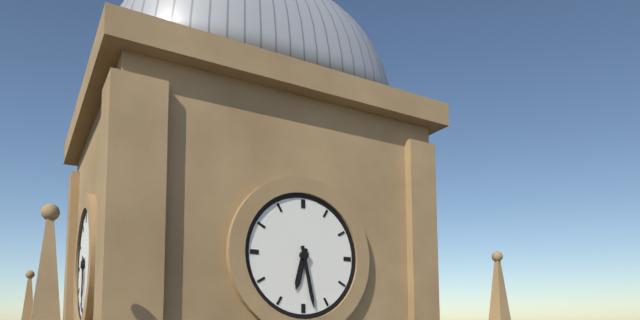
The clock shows h=6 m=28
